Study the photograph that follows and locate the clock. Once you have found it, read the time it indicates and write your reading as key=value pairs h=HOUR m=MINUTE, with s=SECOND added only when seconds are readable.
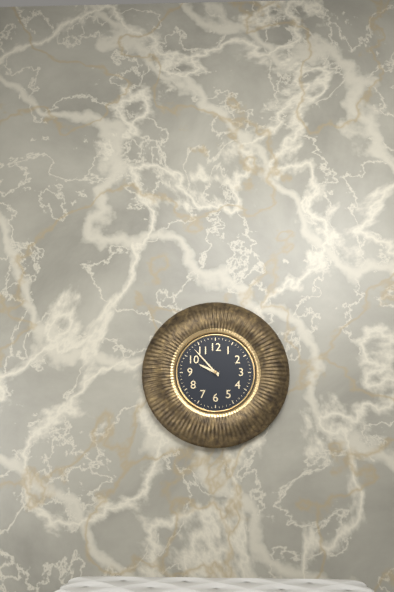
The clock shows h=9 m=53
